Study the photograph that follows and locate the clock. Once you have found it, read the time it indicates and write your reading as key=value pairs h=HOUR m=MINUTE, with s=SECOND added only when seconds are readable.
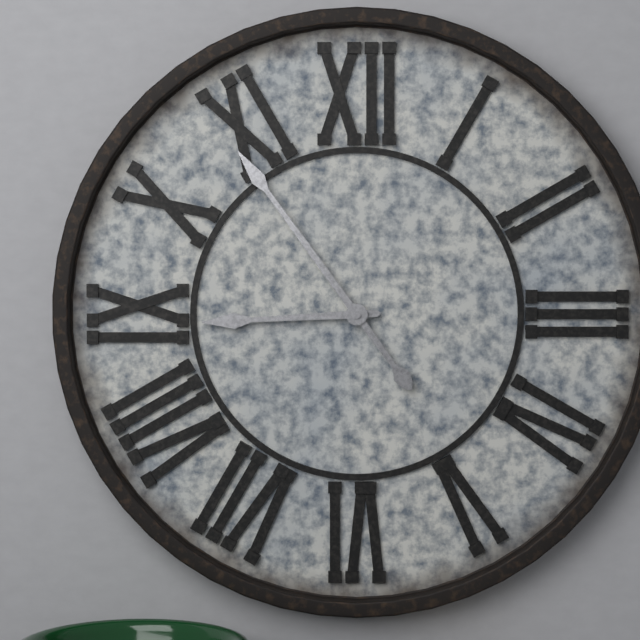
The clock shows h=8 m=54
